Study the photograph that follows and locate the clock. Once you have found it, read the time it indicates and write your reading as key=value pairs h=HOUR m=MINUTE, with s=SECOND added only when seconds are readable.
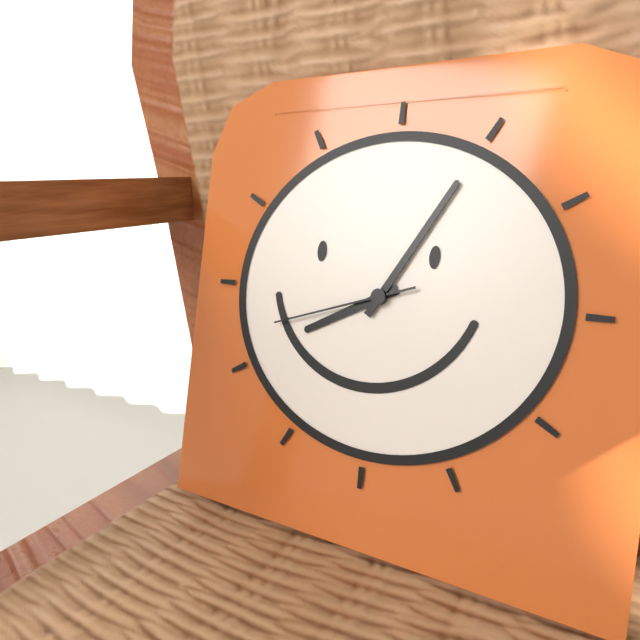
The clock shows h=8 m=5 s=42
